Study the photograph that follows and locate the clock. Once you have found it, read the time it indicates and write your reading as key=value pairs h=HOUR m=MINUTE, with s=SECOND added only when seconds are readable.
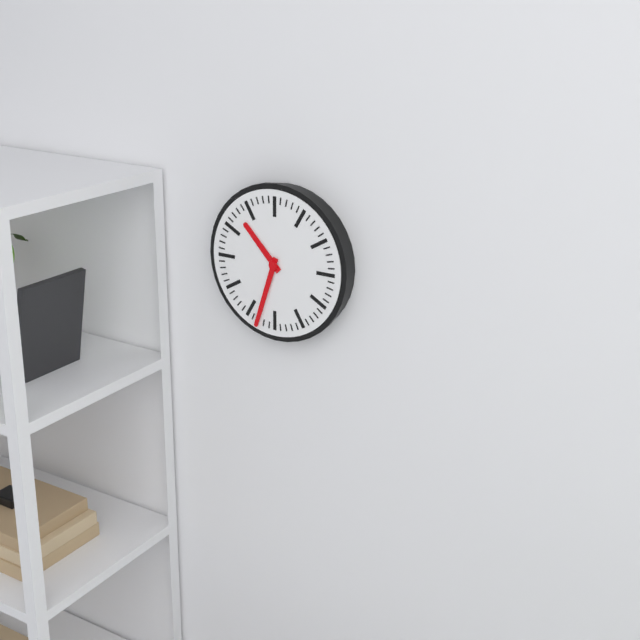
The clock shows h=10 m=33
